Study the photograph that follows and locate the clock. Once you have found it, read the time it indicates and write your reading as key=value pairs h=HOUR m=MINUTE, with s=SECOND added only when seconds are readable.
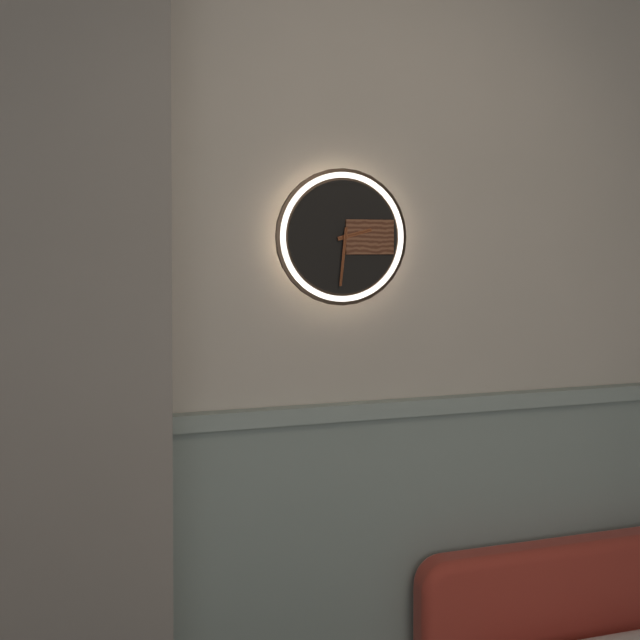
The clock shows h=2 m=31
